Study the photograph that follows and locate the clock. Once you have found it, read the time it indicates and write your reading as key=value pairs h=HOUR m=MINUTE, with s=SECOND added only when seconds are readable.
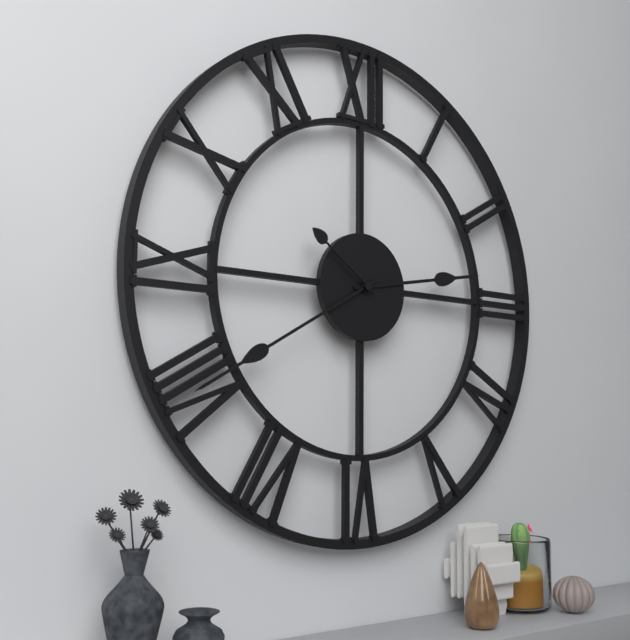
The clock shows h=2 m=40 s=51
